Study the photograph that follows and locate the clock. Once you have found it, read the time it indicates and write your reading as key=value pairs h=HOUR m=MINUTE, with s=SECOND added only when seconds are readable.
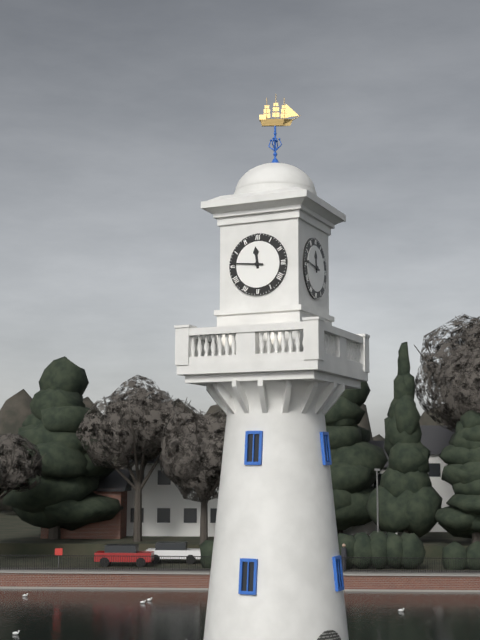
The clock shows h=11 m=46
